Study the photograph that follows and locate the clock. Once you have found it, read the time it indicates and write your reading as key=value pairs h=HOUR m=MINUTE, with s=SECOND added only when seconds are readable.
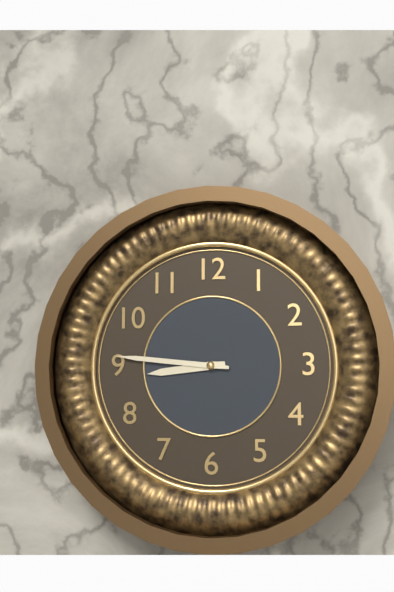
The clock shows h=8 m=46
